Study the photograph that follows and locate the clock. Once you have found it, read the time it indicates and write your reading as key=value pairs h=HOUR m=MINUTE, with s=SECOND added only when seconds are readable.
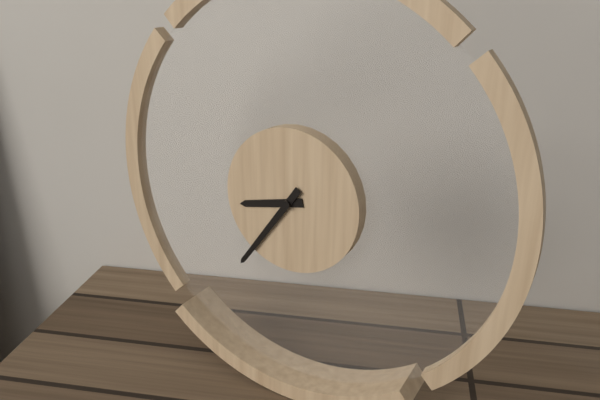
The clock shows h=8 m=36
